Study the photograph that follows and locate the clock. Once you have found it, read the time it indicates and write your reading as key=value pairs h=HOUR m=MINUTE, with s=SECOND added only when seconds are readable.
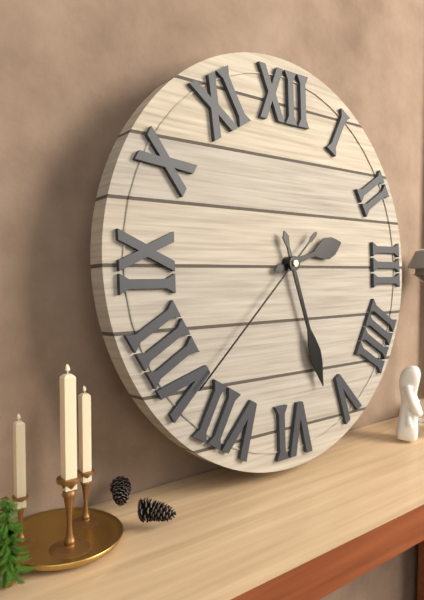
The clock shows h=2 m=27 s=38
